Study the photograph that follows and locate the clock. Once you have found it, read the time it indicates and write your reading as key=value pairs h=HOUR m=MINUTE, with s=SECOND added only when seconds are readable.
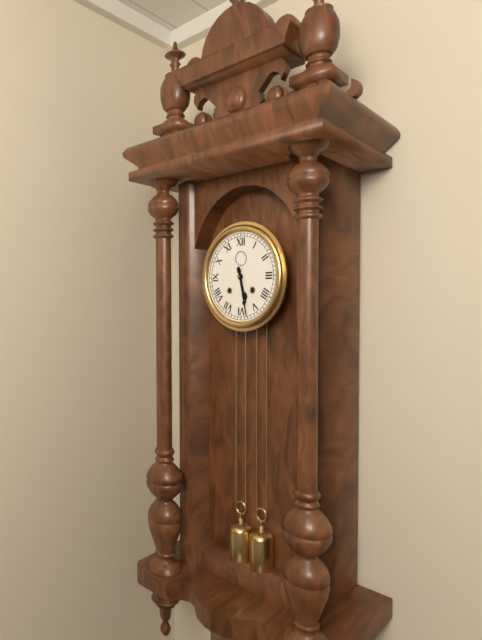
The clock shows h=5 m=28
